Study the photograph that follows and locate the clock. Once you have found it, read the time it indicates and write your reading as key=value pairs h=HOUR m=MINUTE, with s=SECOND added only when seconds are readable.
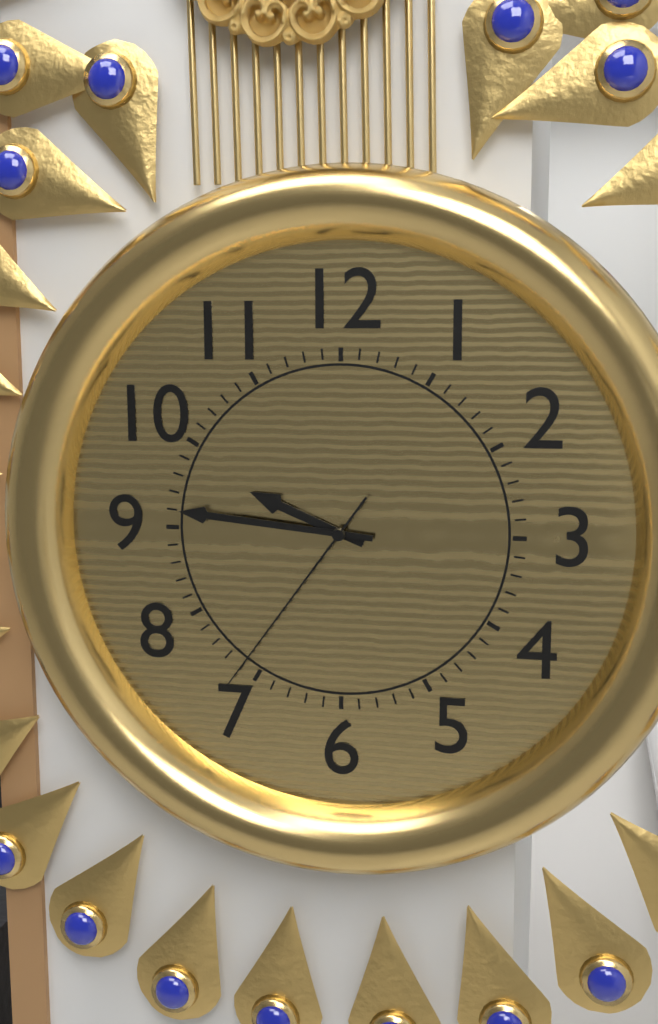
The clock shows h=9 m=46 s=36
